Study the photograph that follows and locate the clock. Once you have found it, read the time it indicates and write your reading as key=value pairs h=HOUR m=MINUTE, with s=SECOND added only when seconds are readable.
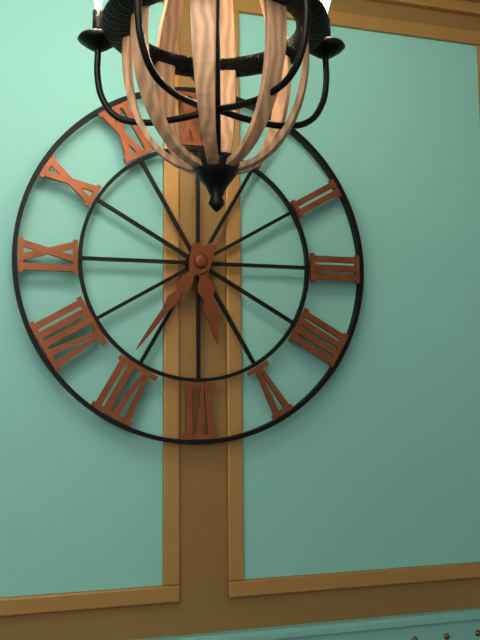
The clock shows h=5 m=36
